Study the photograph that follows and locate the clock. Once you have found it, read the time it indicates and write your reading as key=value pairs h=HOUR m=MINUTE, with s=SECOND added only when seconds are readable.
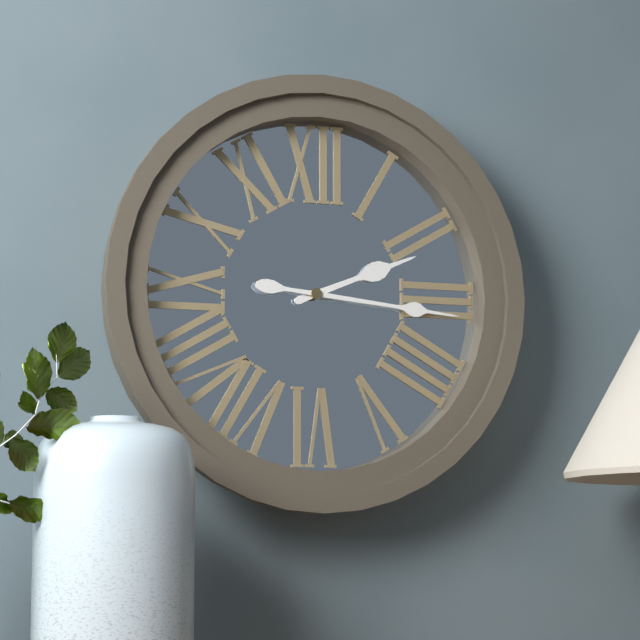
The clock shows h=2 m=16
